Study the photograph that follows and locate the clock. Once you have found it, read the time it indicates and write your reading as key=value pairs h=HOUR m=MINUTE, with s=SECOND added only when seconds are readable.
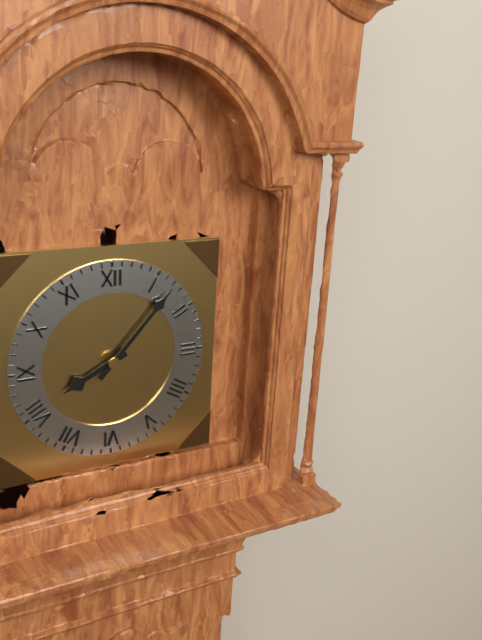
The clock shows h=8 m=7
